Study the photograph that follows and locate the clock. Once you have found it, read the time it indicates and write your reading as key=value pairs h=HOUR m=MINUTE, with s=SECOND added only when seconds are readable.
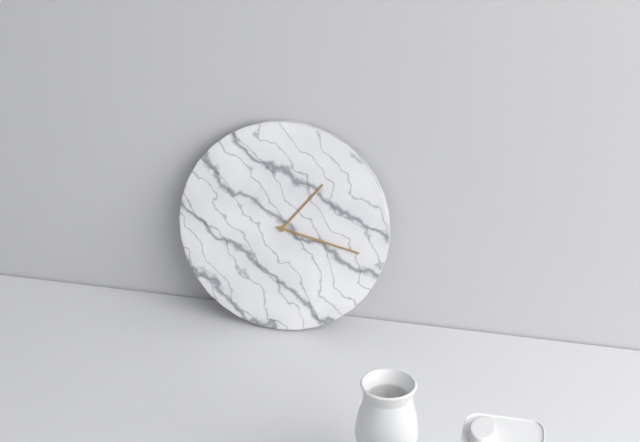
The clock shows h=1 m=17
